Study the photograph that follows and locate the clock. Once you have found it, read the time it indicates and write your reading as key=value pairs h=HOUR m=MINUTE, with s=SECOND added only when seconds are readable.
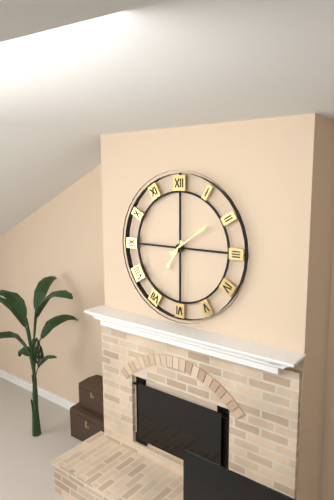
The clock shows h=7 m=9
